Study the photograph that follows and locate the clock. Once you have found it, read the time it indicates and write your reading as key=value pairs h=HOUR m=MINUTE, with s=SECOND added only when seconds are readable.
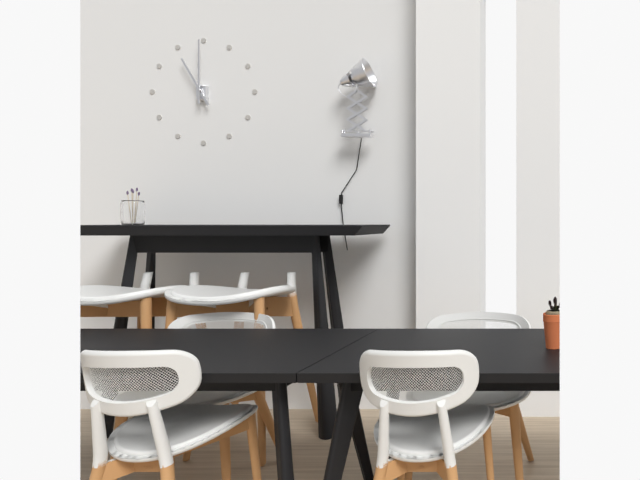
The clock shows h=11 m=0
